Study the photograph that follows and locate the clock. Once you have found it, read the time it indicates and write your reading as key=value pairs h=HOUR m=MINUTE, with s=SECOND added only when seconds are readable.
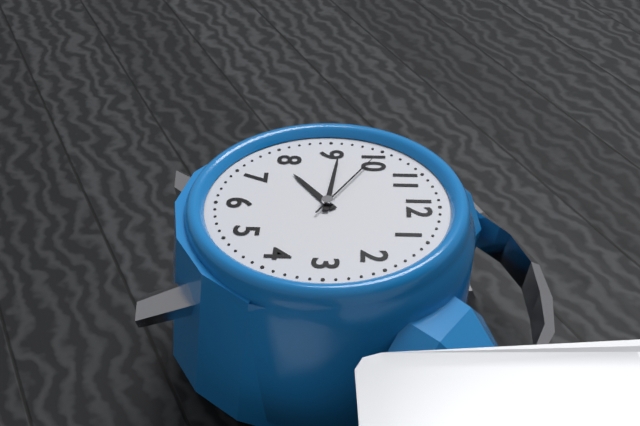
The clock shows h=7 m=46 s=50
